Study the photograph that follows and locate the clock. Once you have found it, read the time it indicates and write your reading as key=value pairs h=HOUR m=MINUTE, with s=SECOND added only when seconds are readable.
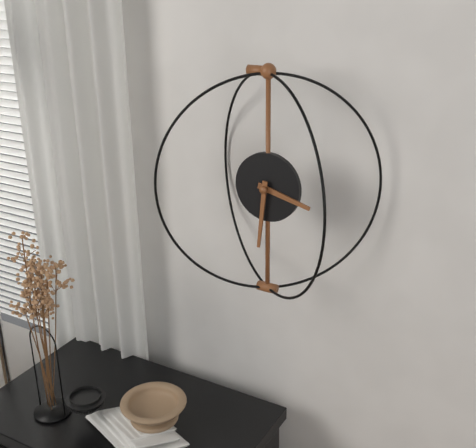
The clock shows h=3 m=31
